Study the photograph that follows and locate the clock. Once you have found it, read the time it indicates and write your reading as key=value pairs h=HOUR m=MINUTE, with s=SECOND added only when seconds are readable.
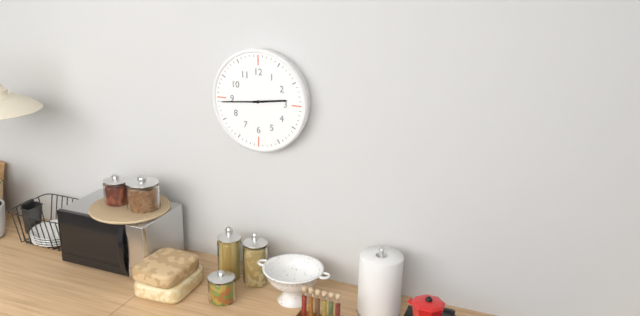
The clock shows h=2 m=44
